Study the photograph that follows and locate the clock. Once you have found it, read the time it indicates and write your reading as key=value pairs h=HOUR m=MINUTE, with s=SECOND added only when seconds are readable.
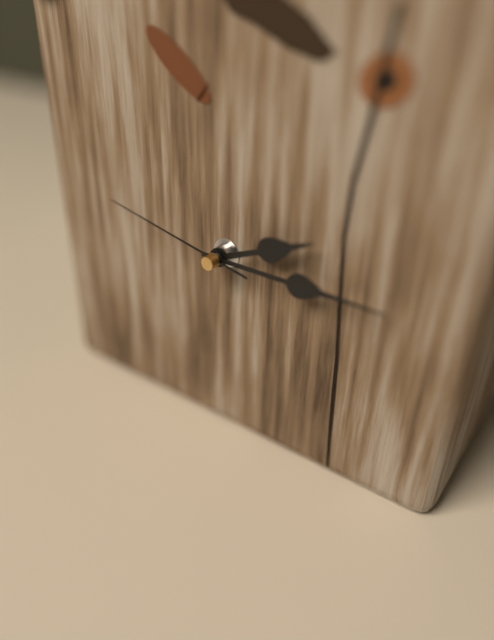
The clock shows h=2 m=15 s=47
